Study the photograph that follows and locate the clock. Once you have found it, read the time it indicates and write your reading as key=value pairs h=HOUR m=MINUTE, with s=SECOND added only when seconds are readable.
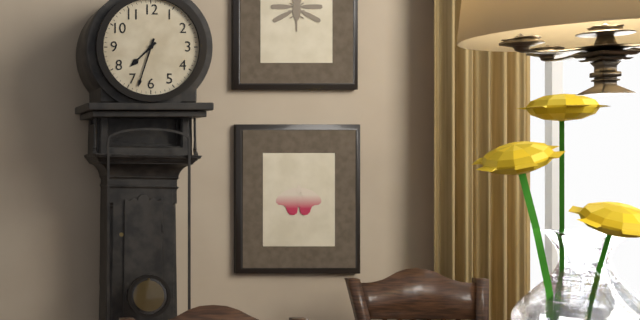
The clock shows h=7 m=33
